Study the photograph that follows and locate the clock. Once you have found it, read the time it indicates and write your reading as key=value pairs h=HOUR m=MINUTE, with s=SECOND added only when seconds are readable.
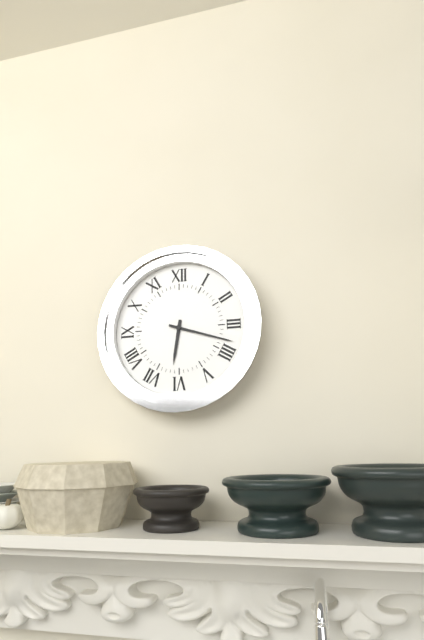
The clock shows h=6 m=18
